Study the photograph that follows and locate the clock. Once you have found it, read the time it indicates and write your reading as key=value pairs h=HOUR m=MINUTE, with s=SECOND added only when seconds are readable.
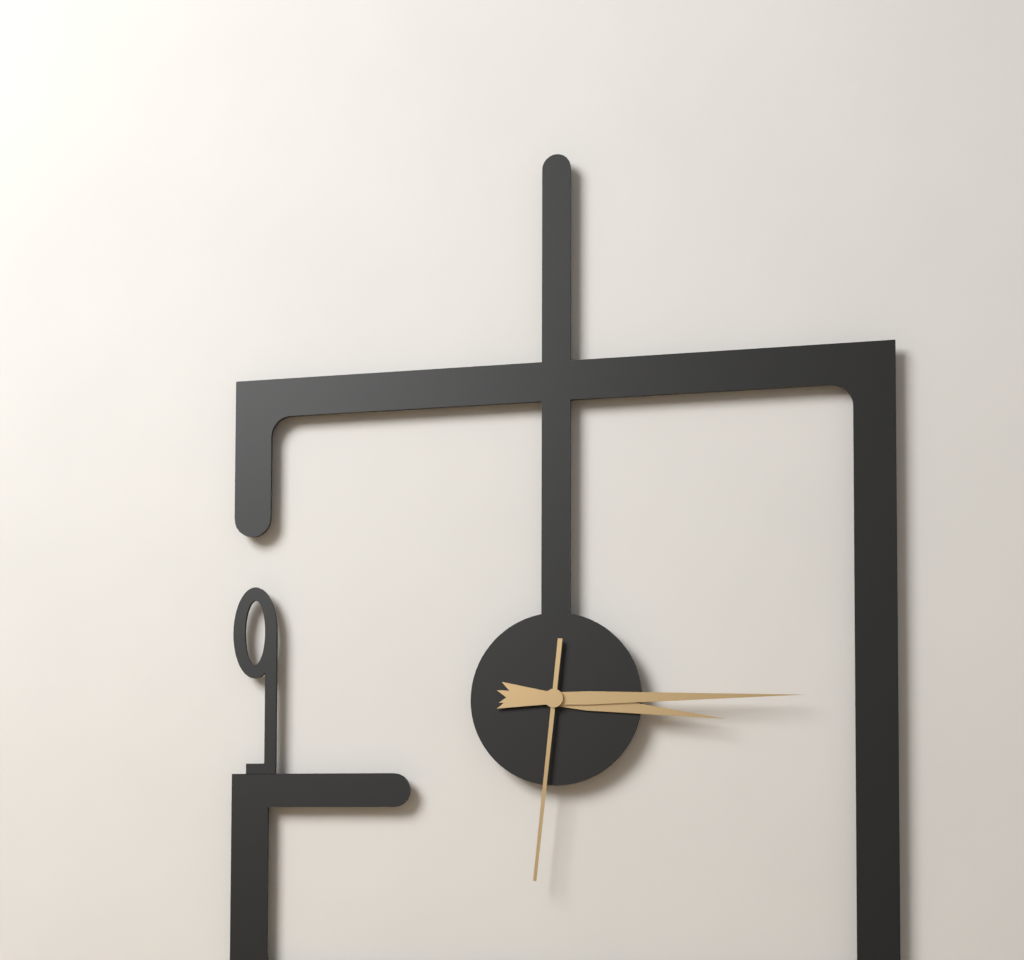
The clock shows h=3 m=15 s=31
